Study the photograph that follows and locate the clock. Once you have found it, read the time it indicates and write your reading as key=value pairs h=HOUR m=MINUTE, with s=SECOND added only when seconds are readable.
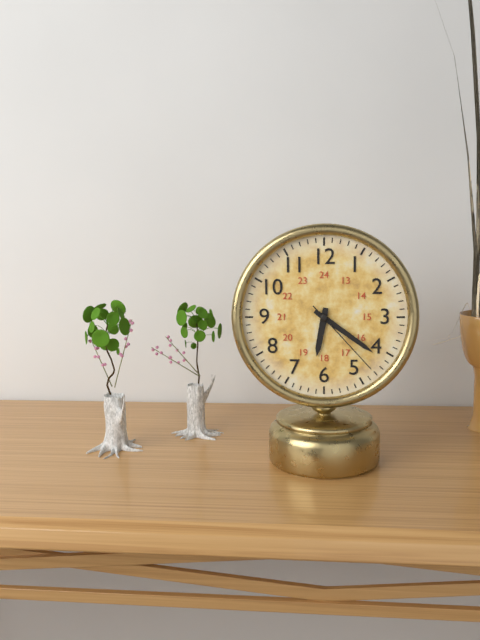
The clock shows h=6 m=21 s=23
